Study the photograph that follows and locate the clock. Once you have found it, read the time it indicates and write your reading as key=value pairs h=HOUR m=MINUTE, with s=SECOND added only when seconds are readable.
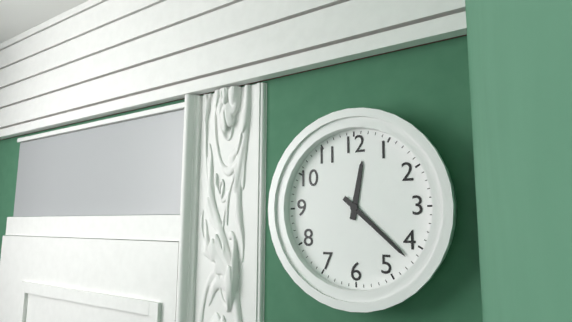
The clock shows h=12 m=22
